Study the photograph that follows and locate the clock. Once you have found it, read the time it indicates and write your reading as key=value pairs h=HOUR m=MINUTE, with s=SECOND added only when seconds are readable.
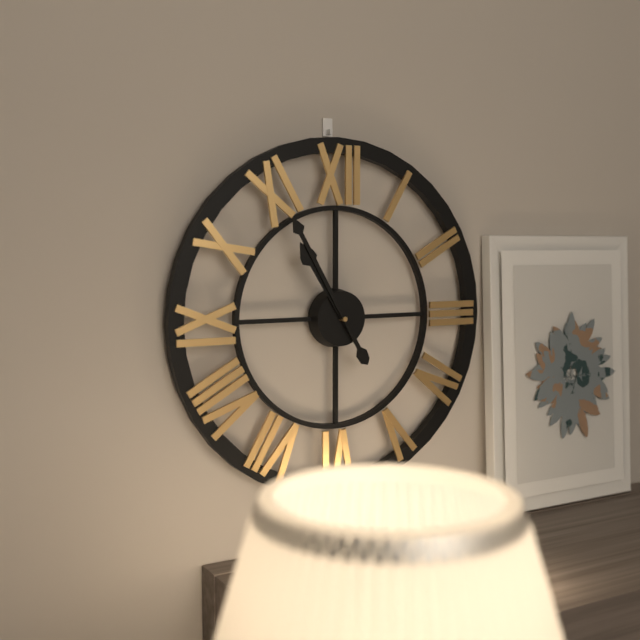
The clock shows h=10 m=55
